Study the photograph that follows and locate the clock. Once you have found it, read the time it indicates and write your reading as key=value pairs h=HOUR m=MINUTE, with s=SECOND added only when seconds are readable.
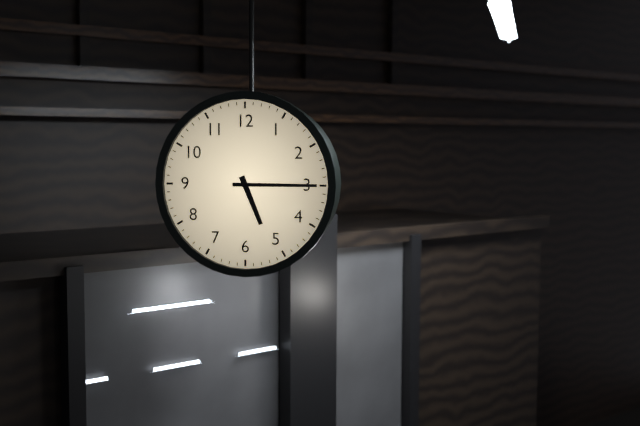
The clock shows h=5 m=15
